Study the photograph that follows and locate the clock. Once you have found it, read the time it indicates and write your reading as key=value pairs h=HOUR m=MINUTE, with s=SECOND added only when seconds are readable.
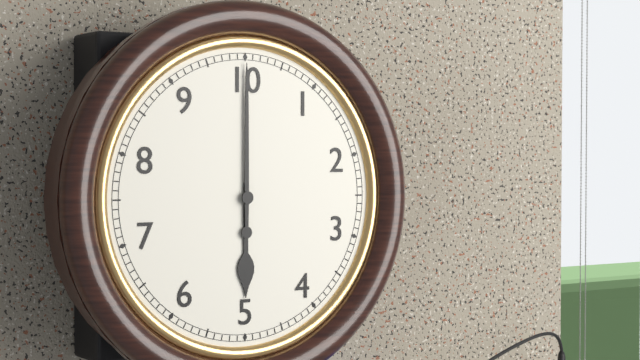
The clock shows h=6 m=0
